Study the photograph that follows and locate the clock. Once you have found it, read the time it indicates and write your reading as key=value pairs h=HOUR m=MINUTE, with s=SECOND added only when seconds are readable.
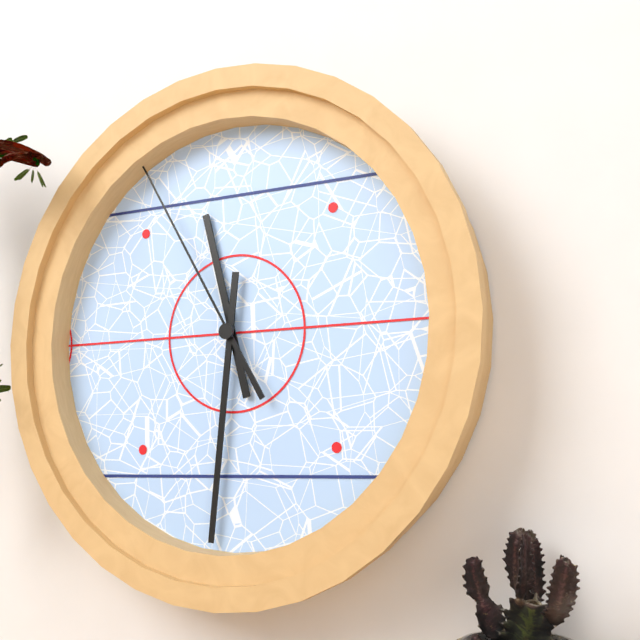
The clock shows h=11 m=31 s=55
